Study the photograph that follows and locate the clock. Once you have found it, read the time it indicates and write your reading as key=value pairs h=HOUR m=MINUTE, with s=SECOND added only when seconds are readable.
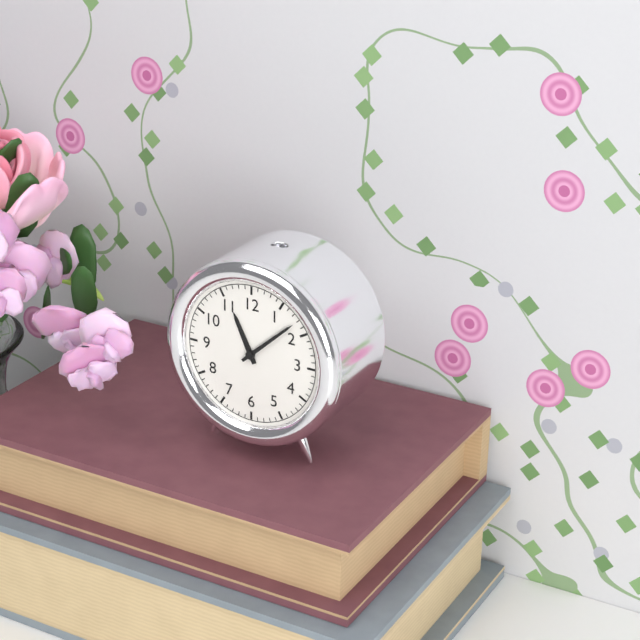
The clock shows h=11 m=8
